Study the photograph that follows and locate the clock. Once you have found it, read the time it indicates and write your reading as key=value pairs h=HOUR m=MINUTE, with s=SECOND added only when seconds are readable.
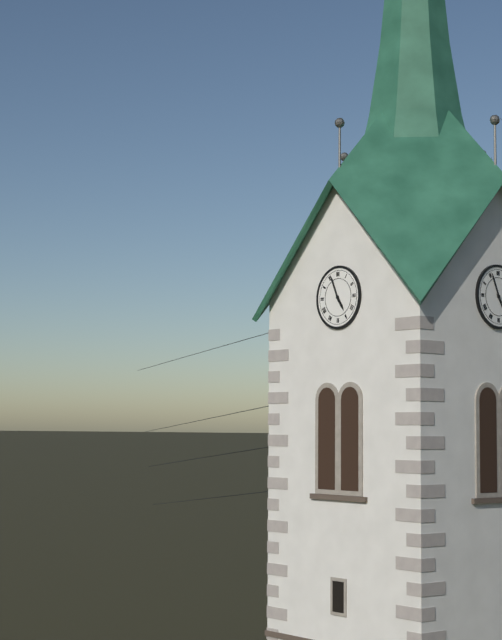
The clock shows h=4 m=56
